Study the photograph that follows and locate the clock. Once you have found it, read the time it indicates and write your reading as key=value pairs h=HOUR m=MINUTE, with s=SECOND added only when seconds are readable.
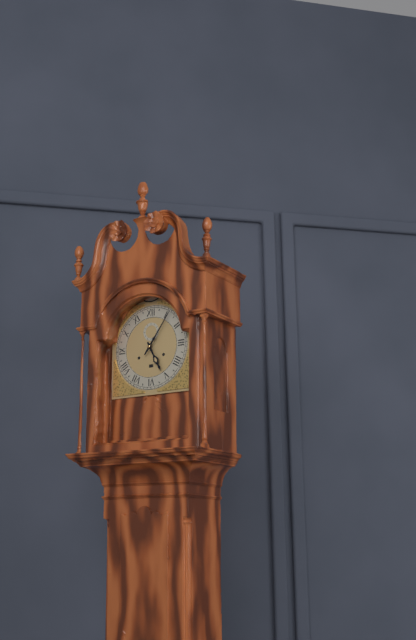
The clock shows h=5 m=6
